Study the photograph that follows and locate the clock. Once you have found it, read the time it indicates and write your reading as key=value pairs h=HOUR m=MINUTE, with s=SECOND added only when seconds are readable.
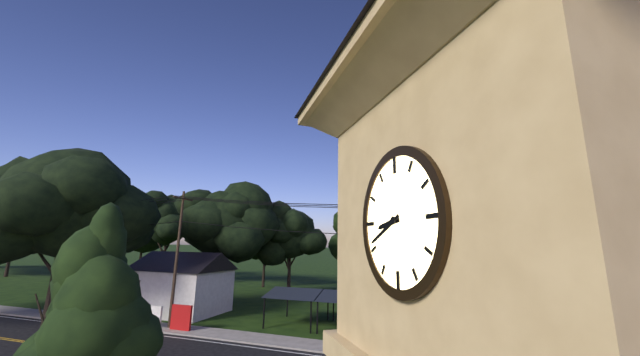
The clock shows h=8 m=41
